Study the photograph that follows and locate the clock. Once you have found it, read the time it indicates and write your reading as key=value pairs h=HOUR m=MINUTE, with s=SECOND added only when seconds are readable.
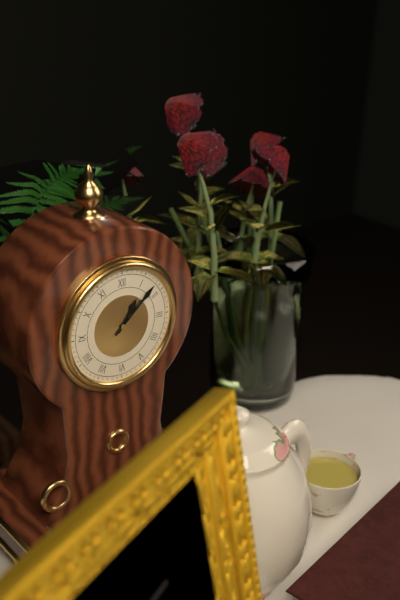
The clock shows h=1 m=8
